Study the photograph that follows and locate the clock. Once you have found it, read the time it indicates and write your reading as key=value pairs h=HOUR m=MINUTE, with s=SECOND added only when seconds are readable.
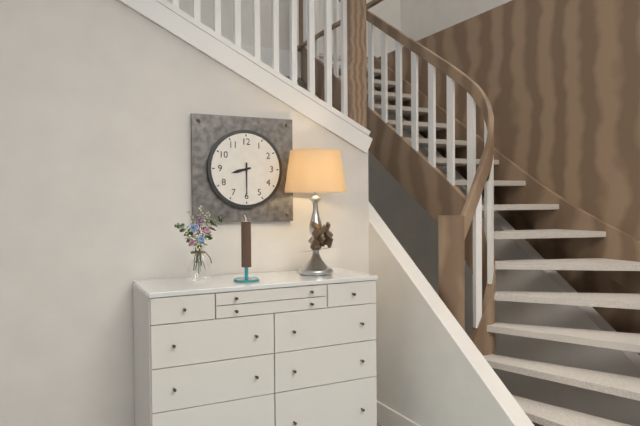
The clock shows h=8 m=30
